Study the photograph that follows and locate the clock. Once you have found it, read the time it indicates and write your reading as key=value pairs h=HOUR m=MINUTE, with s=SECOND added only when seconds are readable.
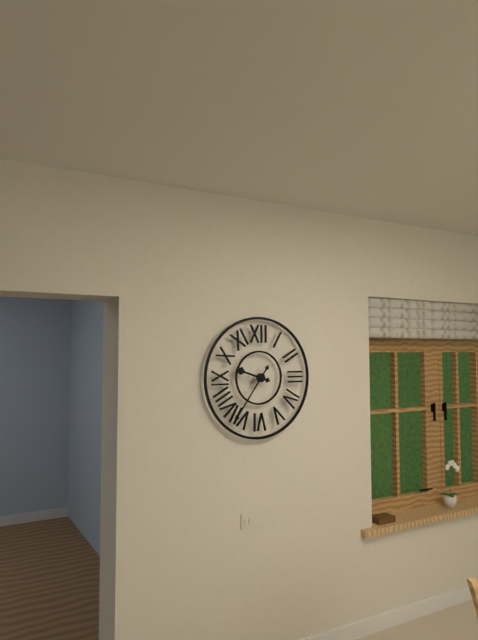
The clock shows h=9 m=36
